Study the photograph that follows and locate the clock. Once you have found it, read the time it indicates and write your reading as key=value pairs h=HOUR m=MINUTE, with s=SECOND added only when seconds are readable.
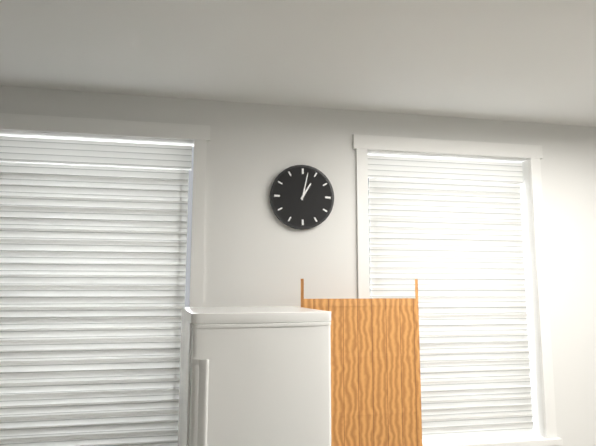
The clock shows h=1 m=2
